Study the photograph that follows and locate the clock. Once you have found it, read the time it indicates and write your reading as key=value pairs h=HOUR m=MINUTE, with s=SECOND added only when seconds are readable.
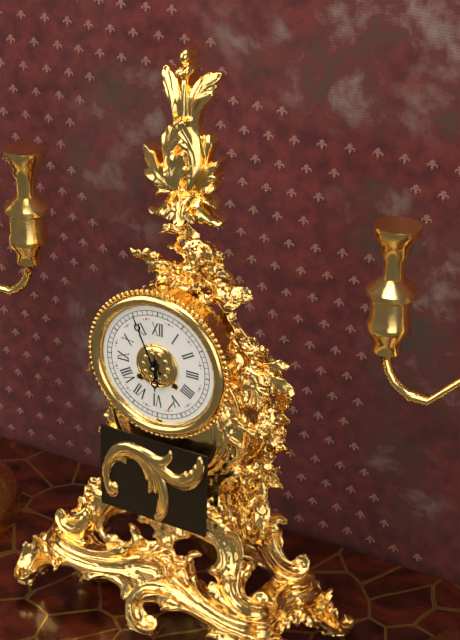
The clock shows h=5 m=56
